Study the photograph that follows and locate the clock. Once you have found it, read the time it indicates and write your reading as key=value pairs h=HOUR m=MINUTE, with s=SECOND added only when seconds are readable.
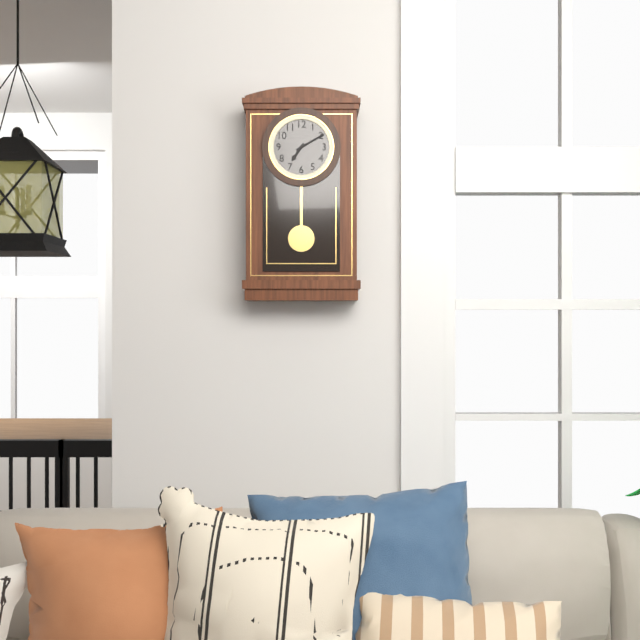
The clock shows h=7 m=10
